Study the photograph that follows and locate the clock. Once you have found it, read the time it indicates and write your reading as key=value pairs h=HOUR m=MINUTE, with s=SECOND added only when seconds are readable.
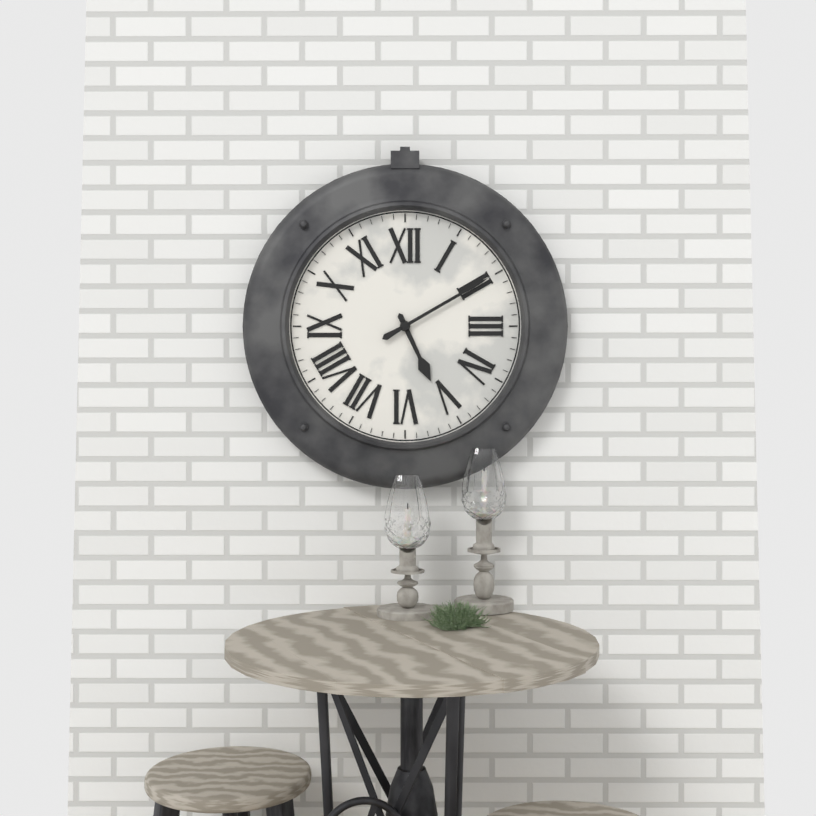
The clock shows h=5 m=10
